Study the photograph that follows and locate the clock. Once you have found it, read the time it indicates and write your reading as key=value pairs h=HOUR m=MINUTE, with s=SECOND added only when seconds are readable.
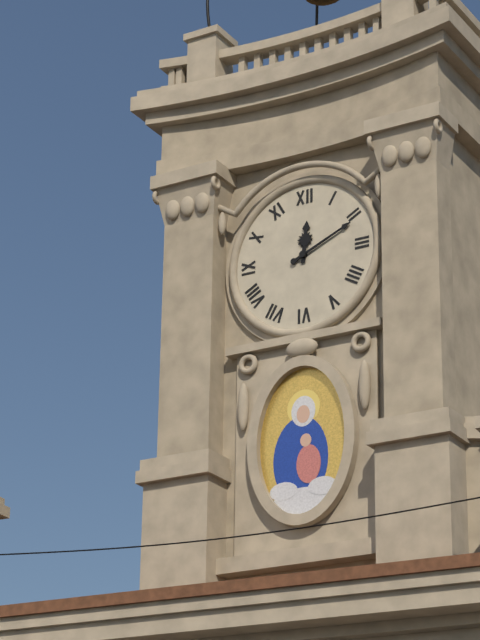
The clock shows h=12 m=11
